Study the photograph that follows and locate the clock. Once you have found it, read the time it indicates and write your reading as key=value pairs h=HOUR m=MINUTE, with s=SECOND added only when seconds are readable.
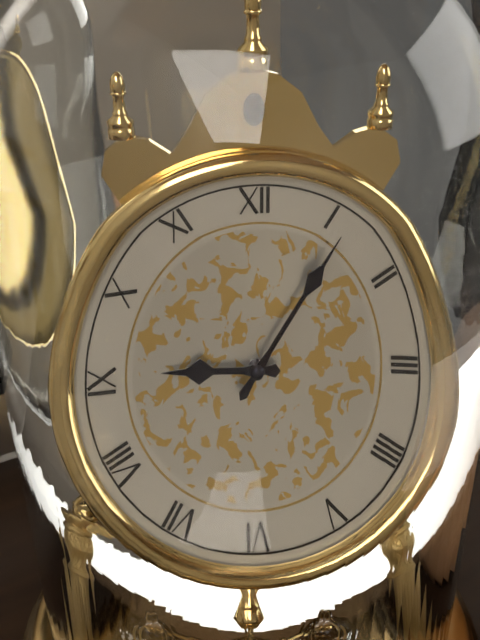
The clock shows h=9 m=6
